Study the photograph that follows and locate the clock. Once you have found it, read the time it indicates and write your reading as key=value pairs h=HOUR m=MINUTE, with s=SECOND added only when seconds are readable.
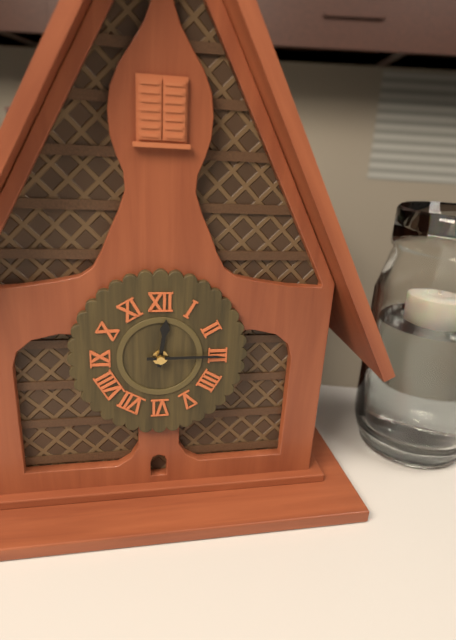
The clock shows h=12 m=15
